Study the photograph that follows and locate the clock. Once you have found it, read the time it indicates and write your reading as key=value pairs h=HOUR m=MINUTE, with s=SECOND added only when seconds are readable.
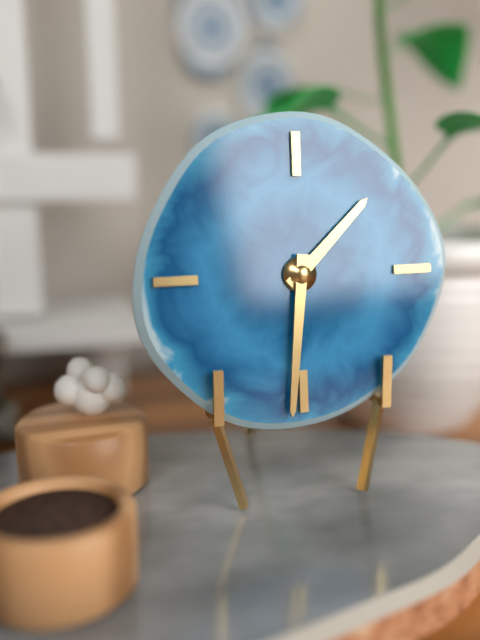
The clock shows h=1 m=31
